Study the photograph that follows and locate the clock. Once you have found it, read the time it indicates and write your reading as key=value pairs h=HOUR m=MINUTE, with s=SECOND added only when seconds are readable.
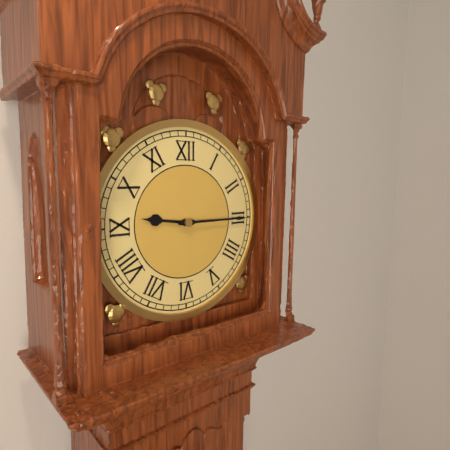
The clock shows h=9 m=15
